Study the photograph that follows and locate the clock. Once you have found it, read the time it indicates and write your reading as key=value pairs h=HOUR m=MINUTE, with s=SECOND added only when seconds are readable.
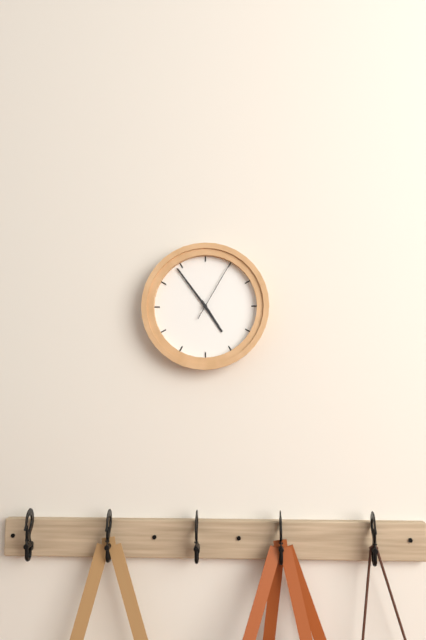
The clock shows h=4 m=54 s=5
